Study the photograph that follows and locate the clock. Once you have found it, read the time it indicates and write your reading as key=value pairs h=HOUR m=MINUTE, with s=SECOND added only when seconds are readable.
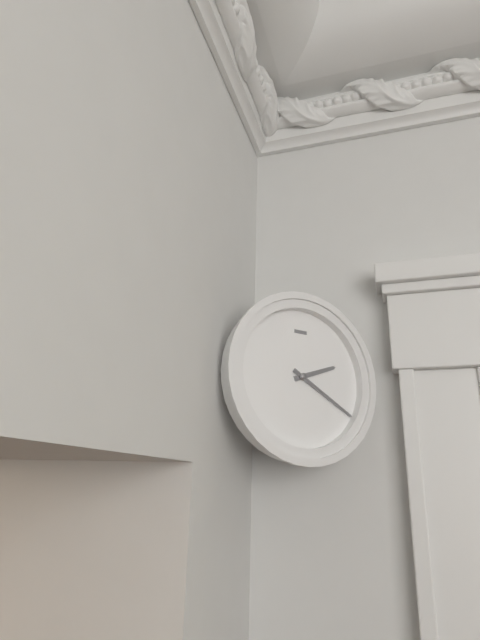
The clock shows h=2 m=20
